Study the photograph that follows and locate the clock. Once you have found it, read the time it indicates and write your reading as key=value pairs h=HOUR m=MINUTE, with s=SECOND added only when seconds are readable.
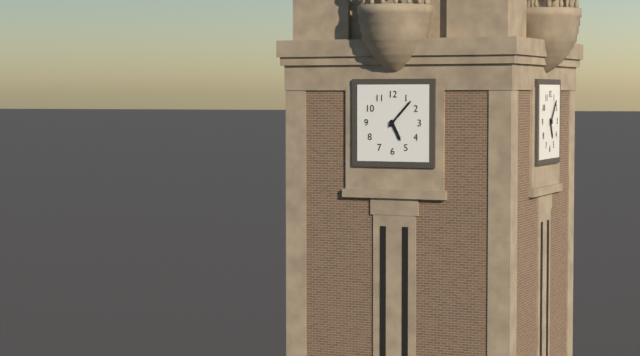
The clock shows h=5 m=7
